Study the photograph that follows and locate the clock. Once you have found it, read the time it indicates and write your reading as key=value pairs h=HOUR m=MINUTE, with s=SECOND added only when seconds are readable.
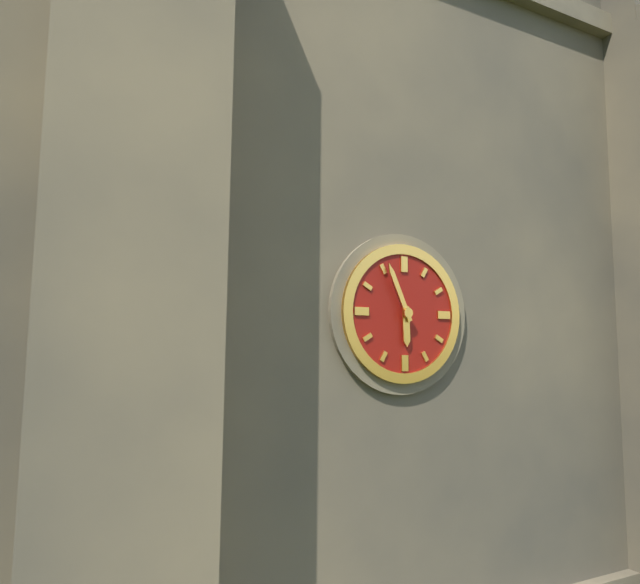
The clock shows h=5 m=56
